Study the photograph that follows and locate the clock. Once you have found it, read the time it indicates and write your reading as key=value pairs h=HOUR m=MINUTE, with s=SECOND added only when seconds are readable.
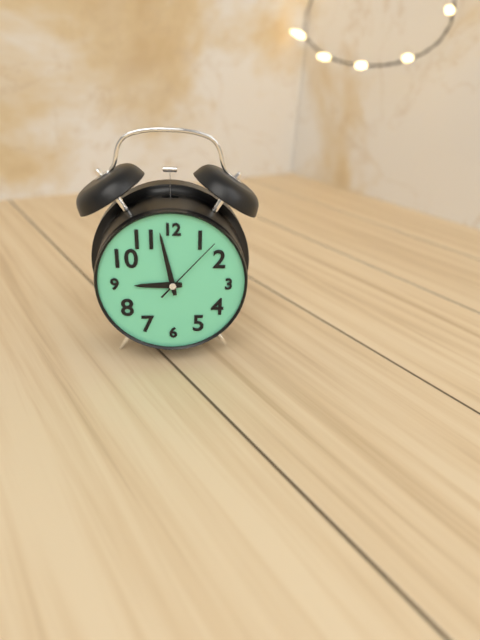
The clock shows h=8 m=58 s=7
